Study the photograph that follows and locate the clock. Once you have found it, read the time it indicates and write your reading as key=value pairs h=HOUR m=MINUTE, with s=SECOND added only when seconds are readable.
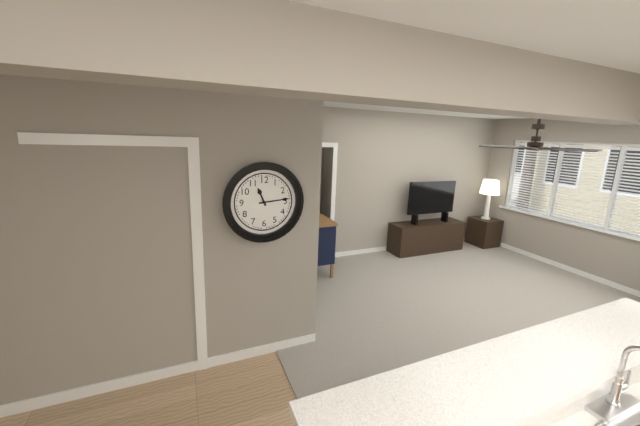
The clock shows h=11 m=14
